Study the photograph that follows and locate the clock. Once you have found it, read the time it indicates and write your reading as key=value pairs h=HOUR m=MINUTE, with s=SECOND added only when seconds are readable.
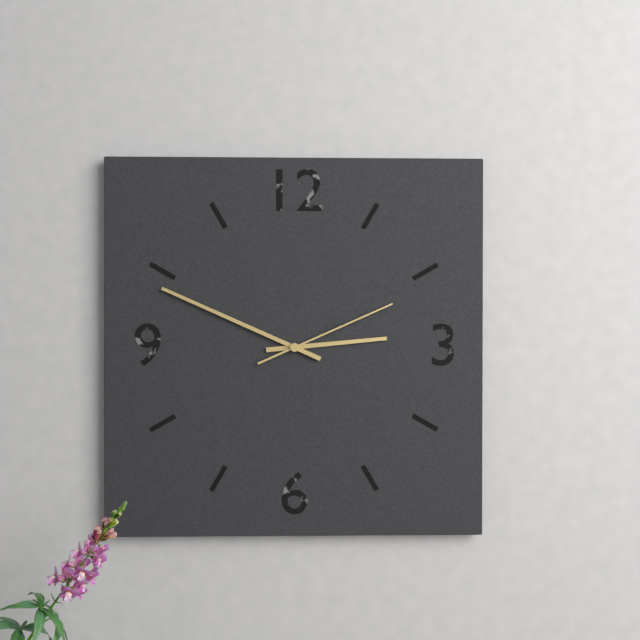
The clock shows h=2 m=49 s=11
